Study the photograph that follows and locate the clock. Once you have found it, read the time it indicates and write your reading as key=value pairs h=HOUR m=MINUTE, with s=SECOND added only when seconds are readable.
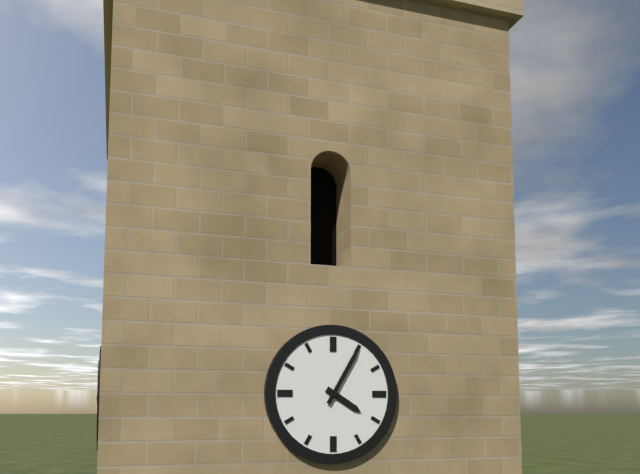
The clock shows h=4 m=5
